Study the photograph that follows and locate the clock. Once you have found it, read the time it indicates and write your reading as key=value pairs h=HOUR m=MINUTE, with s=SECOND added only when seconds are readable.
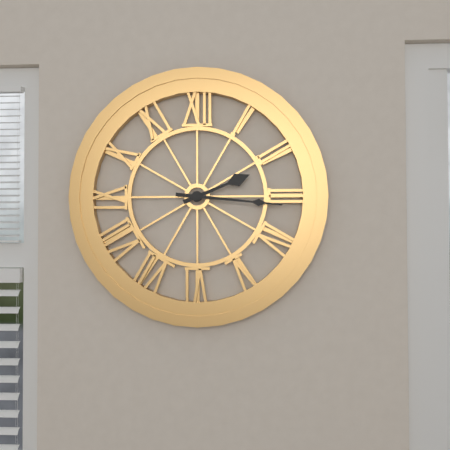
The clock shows h=2 m=16
